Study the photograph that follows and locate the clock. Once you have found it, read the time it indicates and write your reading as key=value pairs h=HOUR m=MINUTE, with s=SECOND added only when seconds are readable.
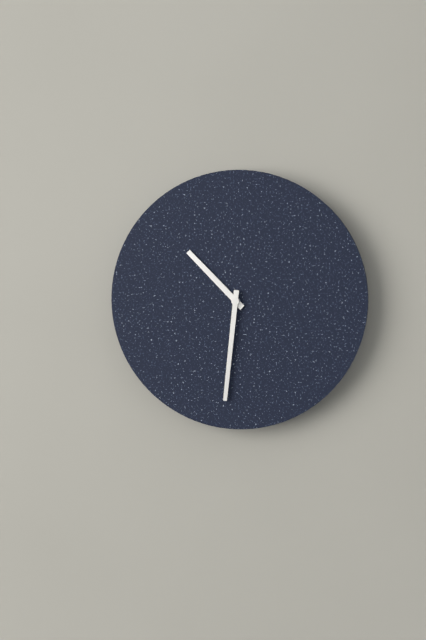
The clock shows h=10 m=31
